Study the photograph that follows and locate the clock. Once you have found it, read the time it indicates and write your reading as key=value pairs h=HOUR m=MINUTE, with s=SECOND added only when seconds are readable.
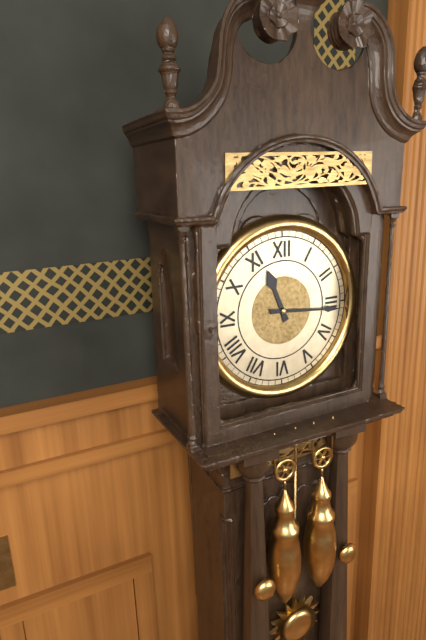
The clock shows h=11 m=16
